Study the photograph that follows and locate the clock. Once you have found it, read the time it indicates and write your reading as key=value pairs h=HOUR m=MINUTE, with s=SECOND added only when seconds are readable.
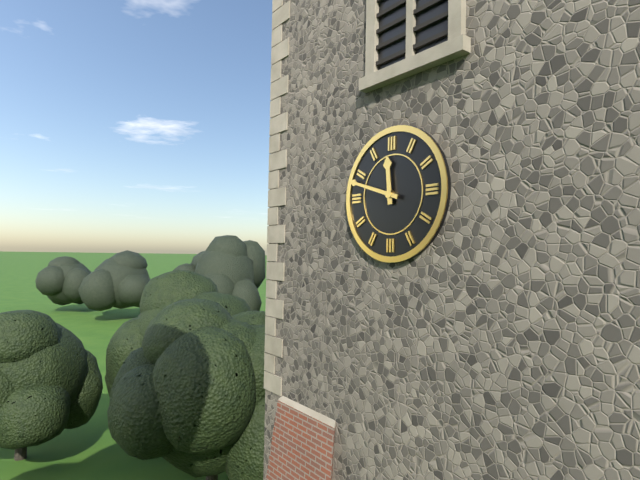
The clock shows h=11 m=48
